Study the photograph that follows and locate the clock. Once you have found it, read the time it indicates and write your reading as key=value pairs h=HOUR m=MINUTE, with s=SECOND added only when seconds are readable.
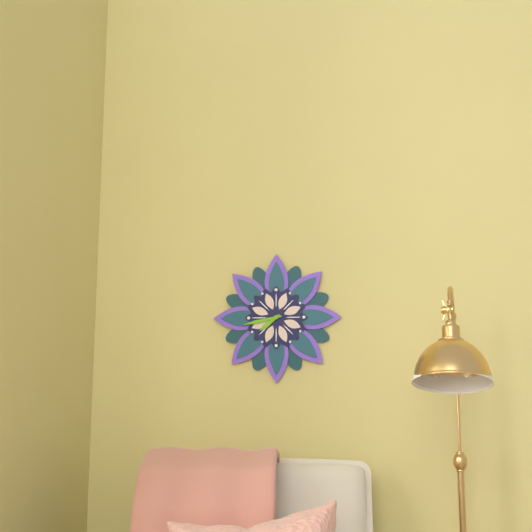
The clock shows h=7 m=43
